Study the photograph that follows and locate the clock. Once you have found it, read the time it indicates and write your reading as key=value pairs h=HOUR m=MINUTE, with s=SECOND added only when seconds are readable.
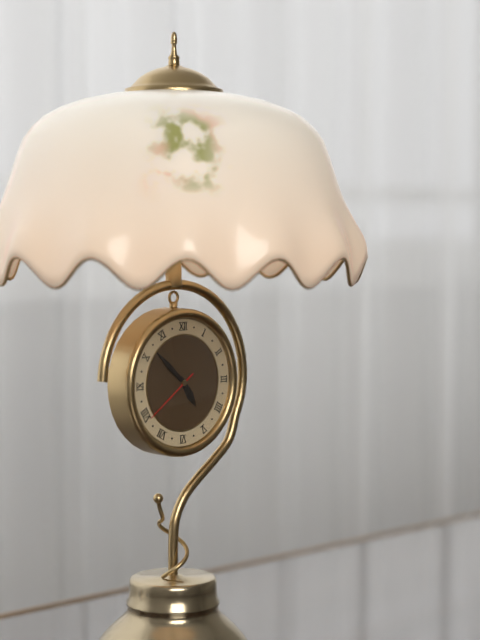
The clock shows h=4 m=52 s=39
